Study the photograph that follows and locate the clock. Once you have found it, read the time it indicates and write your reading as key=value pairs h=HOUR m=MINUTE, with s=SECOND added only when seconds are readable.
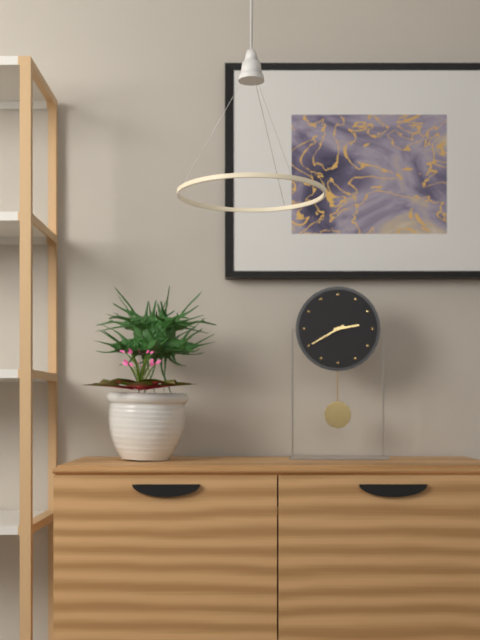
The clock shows h=2 m=40
